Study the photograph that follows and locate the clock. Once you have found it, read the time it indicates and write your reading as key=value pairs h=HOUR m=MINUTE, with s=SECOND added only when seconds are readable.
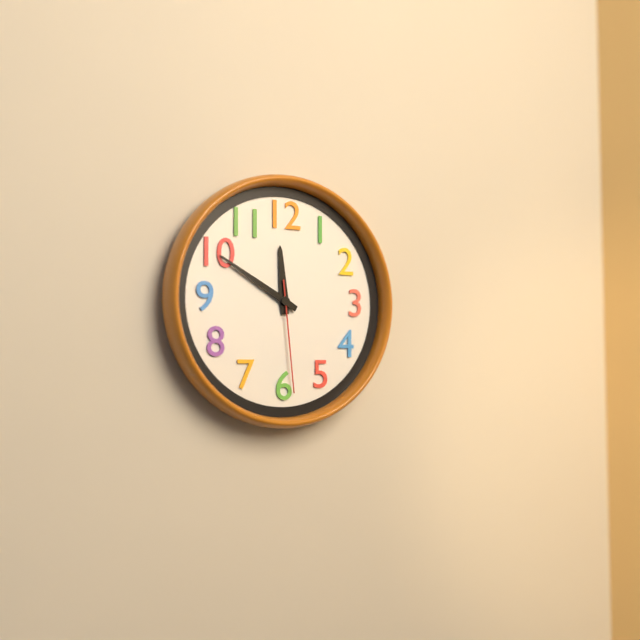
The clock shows h=11 m=50 s=29
